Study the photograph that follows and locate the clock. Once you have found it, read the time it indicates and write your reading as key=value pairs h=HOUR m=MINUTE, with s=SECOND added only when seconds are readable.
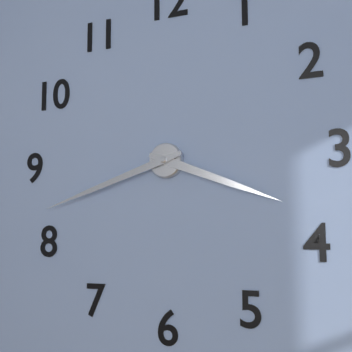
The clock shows h=3 m=42
